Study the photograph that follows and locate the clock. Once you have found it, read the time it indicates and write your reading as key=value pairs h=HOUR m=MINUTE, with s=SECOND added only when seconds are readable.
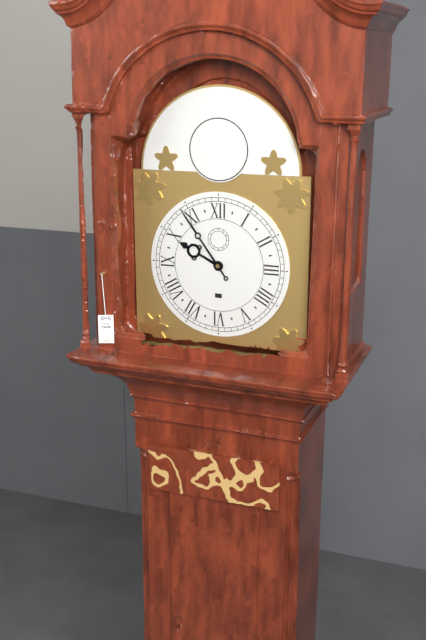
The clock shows h=9 m=54
